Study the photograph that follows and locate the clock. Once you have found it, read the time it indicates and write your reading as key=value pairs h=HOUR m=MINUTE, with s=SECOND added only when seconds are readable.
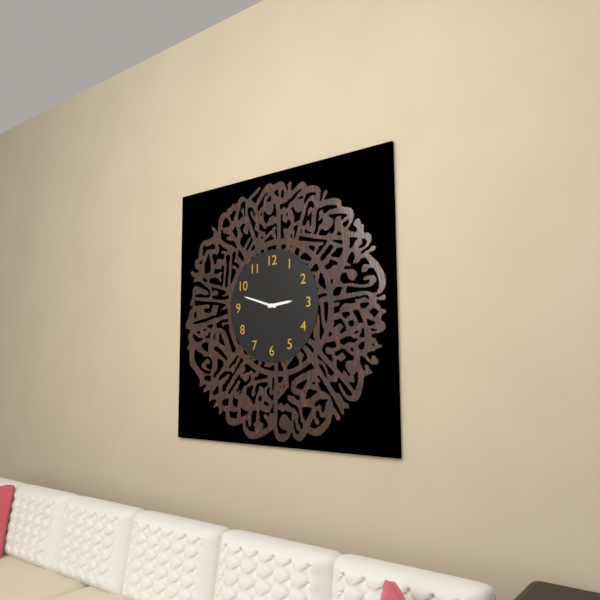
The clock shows h=2 m=48
